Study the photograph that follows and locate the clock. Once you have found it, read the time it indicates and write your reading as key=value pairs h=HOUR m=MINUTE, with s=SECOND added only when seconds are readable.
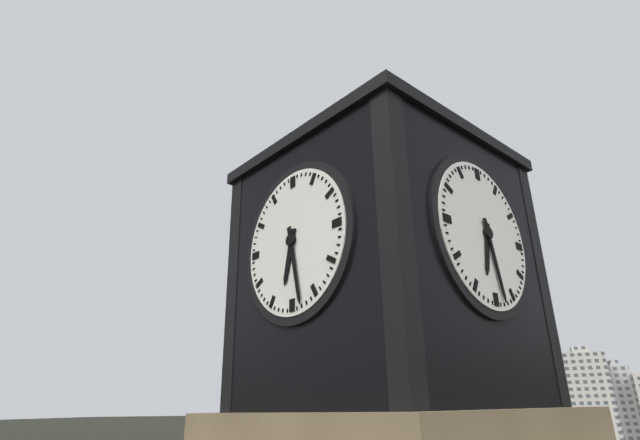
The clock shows h=6 m=28
